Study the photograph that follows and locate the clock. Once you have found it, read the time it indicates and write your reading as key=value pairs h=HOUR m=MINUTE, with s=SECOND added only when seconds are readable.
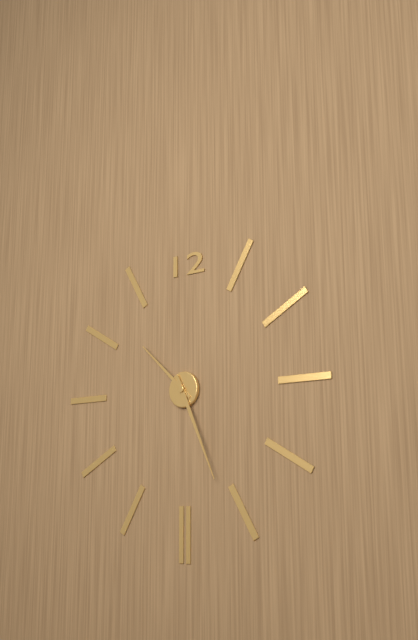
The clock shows h=10 m=26
